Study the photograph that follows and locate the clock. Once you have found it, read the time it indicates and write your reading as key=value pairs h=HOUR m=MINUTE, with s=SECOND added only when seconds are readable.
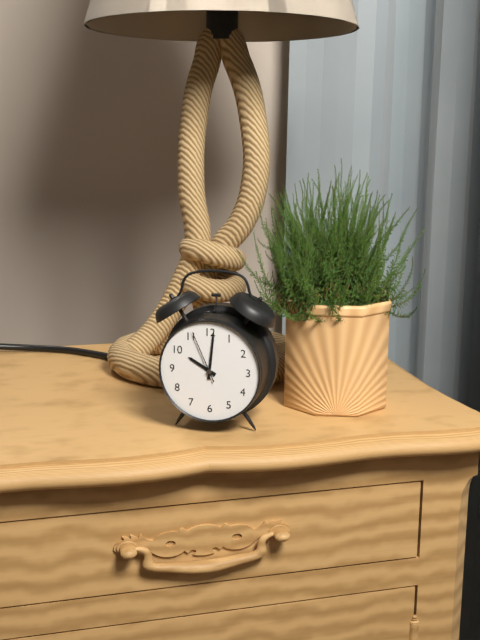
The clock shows h=10 m=1 s=56
